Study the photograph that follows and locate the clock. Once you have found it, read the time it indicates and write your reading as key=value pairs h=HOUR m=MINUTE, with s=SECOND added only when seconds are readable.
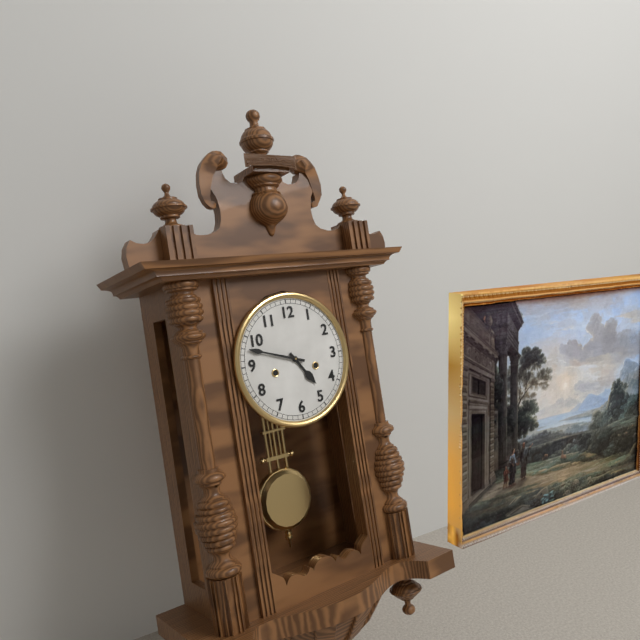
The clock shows h=4 m=48
